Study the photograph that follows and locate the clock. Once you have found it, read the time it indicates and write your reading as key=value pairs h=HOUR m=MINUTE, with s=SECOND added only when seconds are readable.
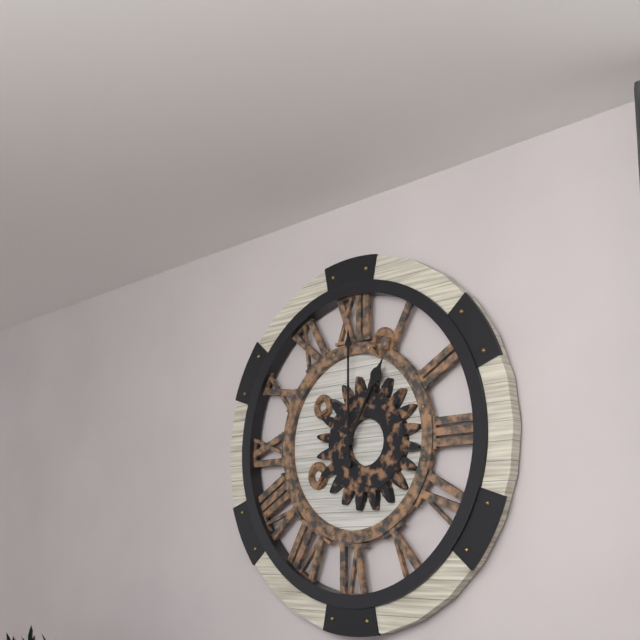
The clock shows h=1 m=0
